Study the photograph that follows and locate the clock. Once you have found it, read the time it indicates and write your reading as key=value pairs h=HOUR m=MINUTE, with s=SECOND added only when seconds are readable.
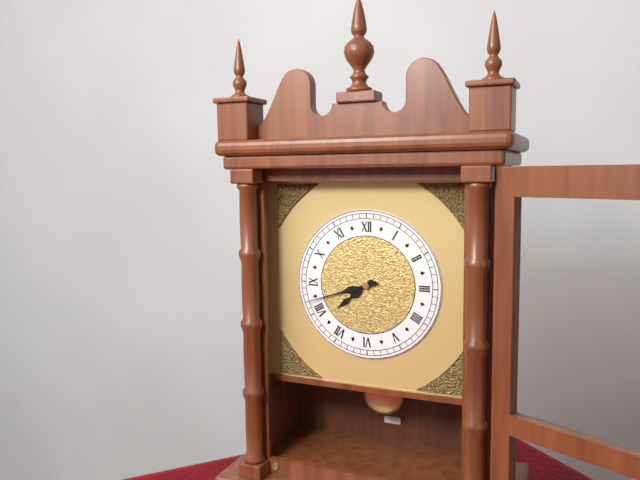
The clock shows h=7 m=42
